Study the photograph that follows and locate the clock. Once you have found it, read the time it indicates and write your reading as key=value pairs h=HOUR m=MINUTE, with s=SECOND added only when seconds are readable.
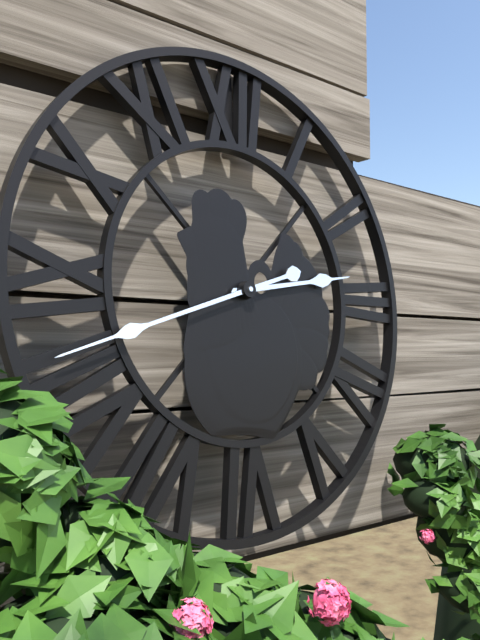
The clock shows h=2 m=42
